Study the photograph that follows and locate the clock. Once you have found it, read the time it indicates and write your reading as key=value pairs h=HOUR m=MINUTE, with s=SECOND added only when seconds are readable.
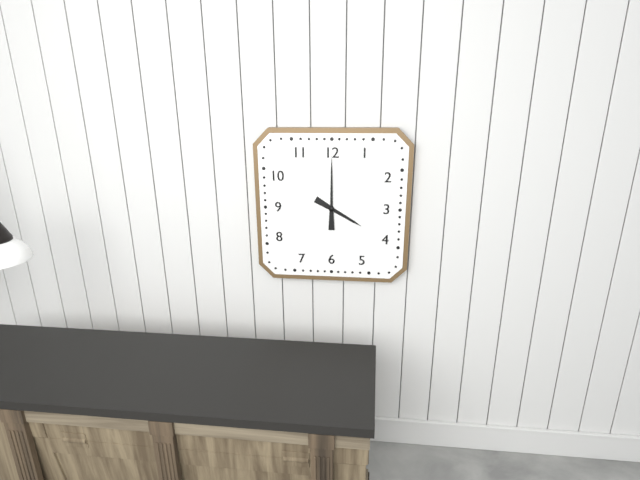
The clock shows h=4 m=0
